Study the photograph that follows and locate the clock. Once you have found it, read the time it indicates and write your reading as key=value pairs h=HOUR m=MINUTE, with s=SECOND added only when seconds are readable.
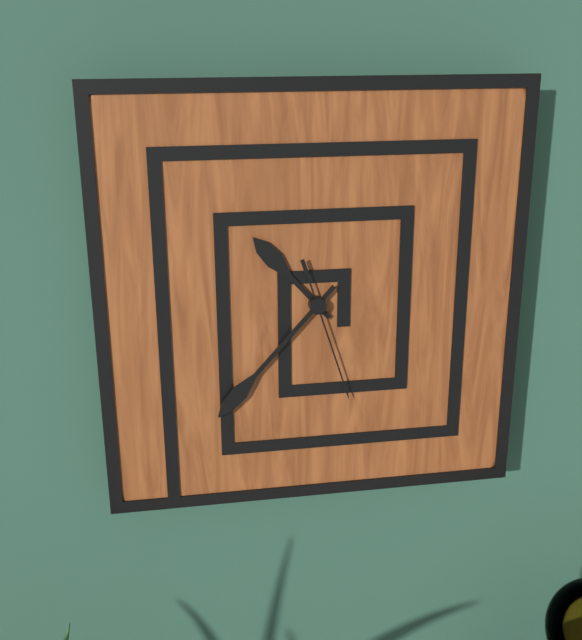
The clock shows h=10 m=37 s=27
